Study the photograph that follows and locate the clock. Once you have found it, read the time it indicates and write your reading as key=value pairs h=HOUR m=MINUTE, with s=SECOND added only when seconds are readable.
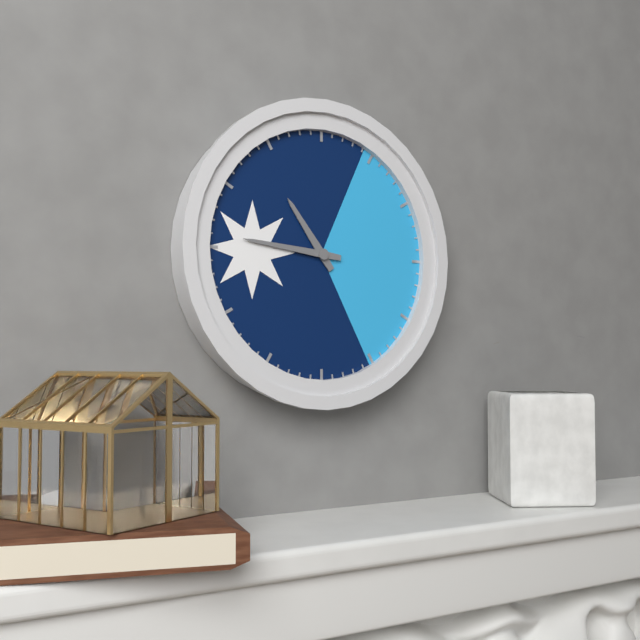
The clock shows h=10 m=46
